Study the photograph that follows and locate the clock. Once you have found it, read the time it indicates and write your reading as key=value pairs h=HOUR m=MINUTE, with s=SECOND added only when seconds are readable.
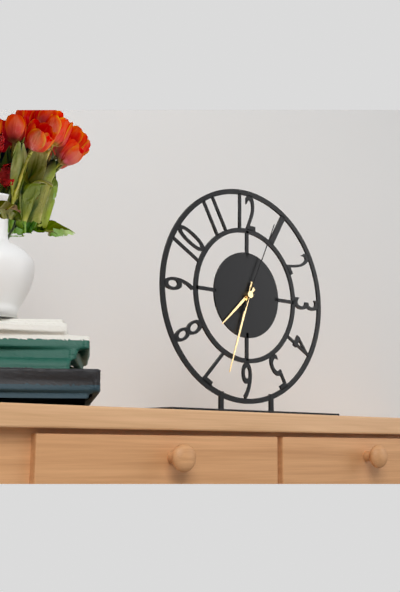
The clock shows h=7 m=33 s=4
